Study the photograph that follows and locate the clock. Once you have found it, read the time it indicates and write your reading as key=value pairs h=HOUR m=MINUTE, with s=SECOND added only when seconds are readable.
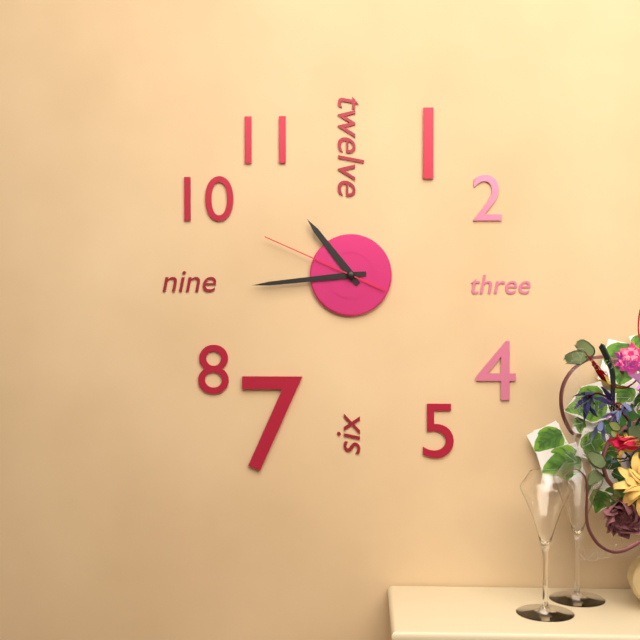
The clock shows h=10 m=44 s=49
